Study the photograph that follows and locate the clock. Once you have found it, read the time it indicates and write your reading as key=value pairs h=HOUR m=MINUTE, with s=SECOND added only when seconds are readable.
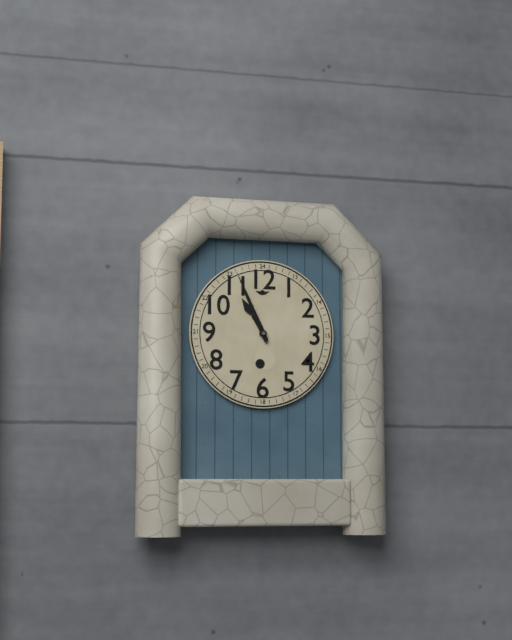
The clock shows h=10 m=56
